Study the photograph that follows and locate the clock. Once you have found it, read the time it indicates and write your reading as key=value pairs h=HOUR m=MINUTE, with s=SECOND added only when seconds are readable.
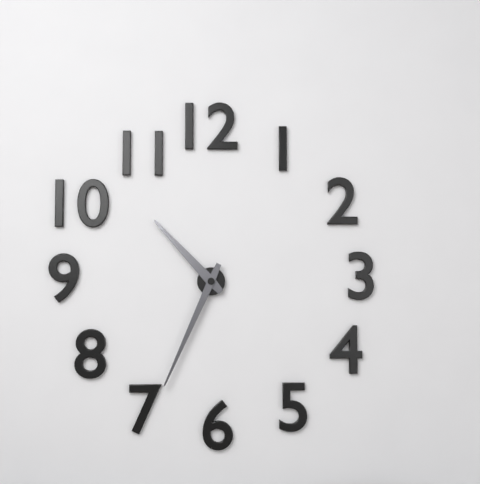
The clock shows h=10 m=34
